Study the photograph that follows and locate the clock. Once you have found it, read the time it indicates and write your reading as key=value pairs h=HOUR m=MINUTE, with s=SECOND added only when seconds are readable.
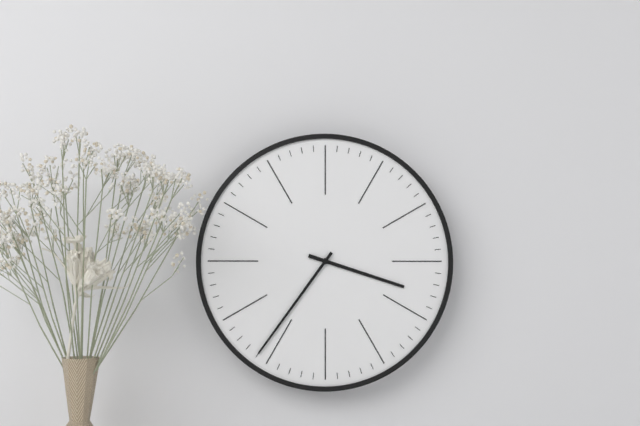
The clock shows h=3 m=36
